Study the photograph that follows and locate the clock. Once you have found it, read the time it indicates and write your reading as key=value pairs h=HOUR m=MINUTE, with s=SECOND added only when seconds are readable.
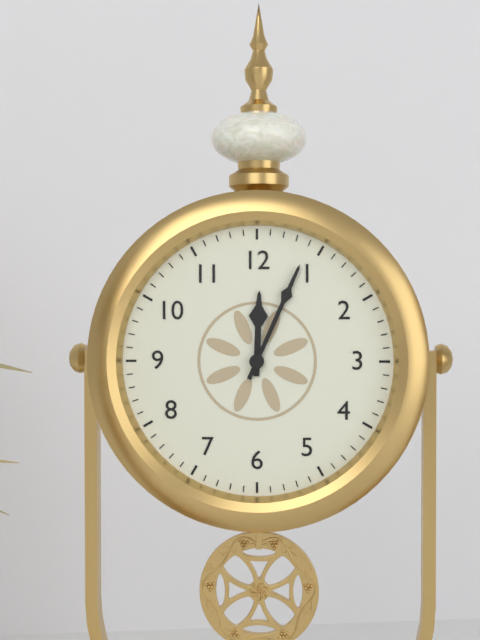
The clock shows h=12 m=4
